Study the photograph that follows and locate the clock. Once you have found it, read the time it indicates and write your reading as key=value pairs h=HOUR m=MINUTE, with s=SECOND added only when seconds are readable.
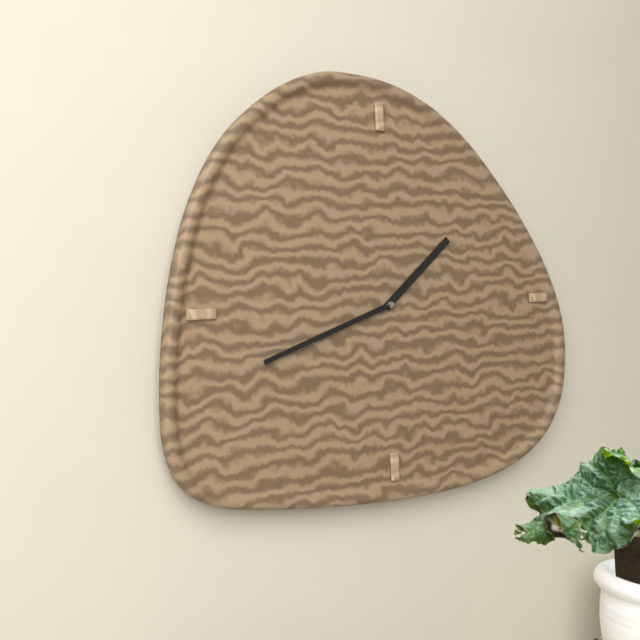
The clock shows h=1 m=42
